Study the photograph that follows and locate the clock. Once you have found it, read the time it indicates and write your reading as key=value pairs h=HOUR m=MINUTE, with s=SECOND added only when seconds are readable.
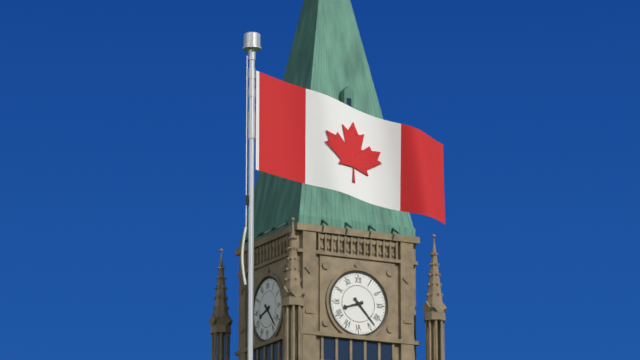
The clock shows h=8 m=23
